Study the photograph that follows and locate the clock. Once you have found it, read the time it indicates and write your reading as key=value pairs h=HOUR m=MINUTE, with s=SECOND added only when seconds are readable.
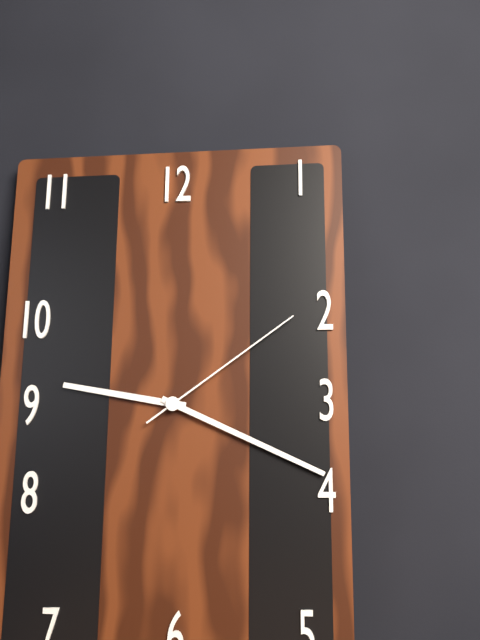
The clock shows h=9 m=19 s=9
